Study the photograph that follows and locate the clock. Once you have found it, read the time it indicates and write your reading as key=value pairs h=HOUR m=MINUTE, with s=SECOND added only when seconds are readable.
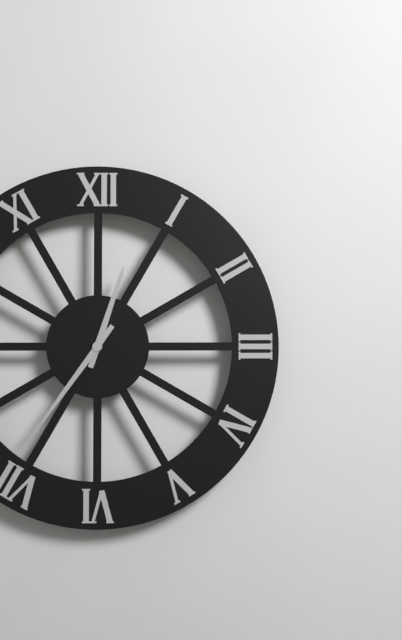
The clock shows h=12 m=36
